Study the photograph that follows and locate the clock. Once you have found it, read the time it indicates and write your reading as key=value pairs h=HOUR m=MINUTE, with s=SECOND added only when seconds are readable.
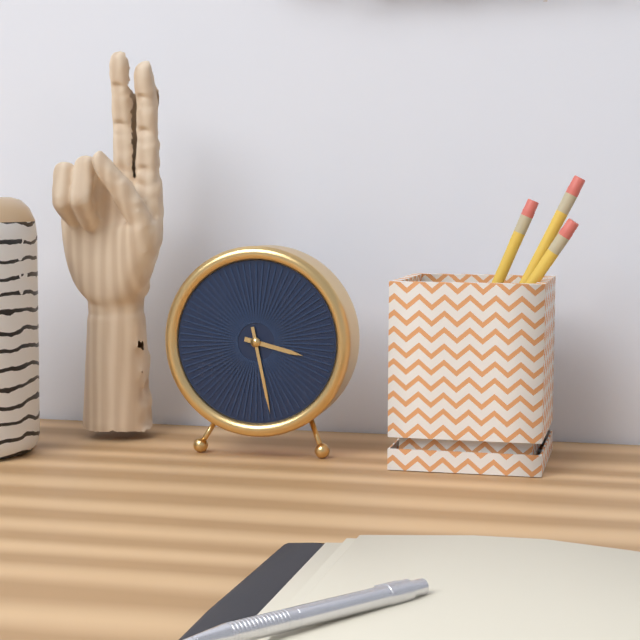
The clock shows h=3 m=28
